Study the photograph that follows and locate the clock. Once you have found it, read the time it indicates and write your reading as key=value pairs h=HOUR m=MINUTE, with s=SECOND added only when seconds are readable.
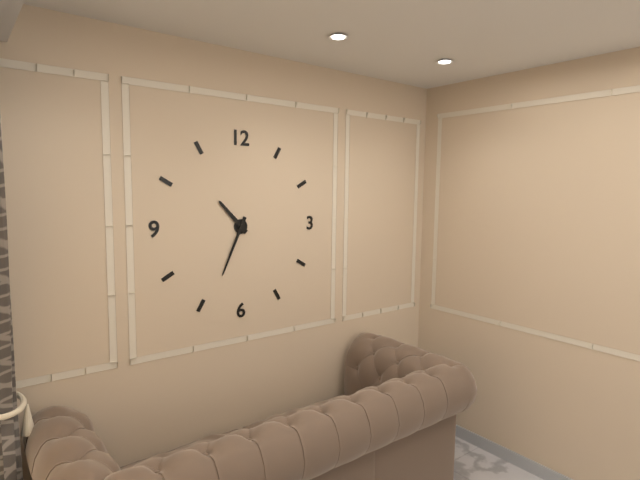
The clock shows h=10 m=34
